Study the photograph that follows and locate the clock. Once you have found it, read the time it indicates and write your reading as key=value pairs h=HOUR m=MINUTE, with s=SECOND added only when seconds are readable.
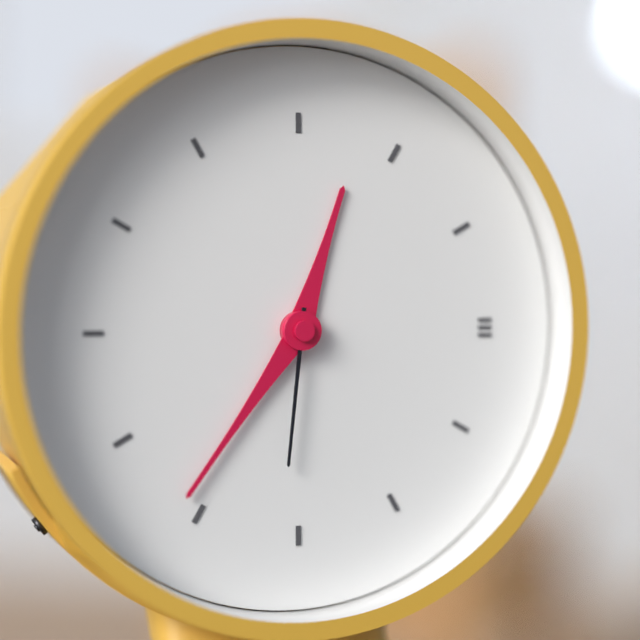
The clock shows h=12 m=36 s=31
